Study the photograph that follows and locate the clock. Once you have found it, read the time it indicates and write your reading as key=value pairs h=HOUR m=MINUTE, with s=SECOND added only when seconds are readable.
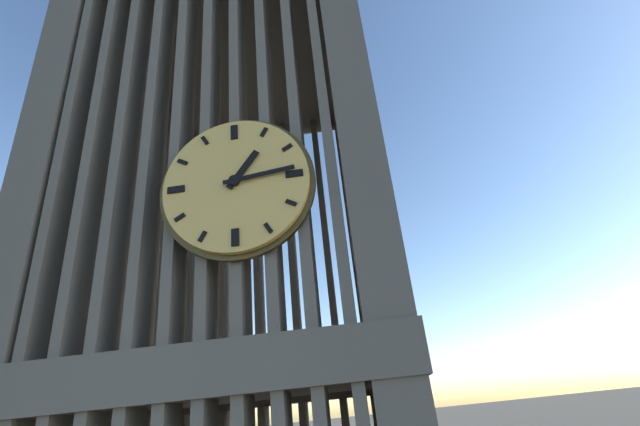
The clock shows h=1 m=14
